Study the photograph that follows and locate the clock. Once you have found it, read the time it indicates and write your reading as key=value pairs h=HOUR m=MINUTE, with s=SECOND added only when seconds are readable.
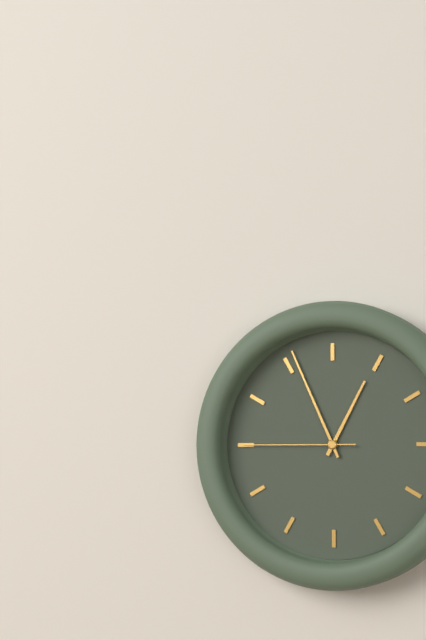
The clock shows h=12 m=56 s=45
